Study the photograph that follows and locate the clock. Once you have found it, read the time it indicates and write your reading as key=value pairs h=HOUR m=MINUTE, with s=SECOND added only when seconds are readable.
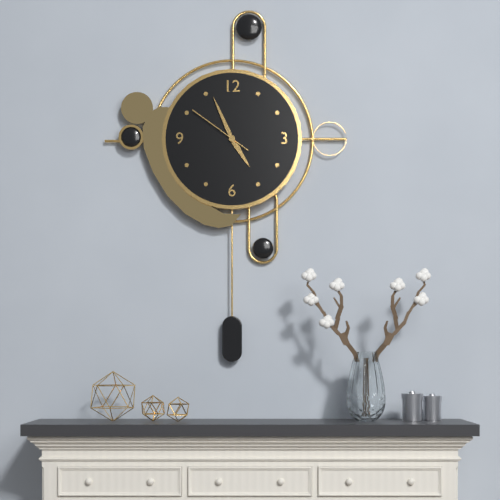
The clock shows h=4 m=56 s=51
